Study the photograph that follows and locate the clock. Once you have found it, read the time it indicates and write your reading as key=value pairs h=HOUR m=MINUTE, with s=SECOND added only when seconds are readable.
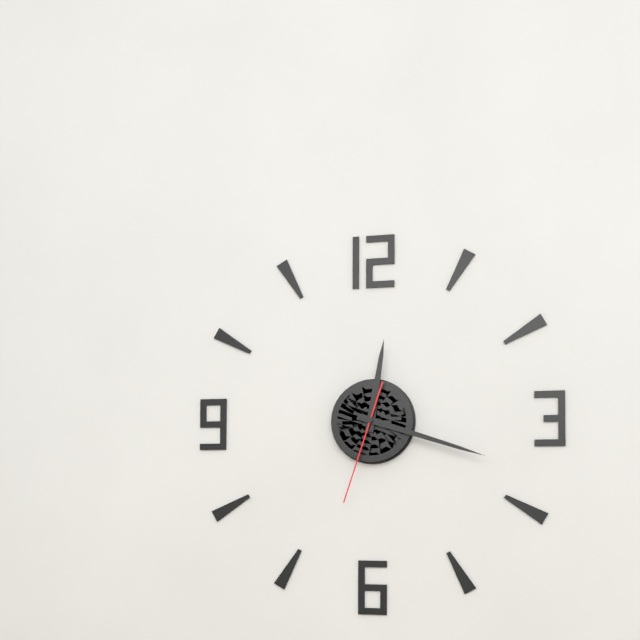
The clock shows h=12 m=18 s=33
